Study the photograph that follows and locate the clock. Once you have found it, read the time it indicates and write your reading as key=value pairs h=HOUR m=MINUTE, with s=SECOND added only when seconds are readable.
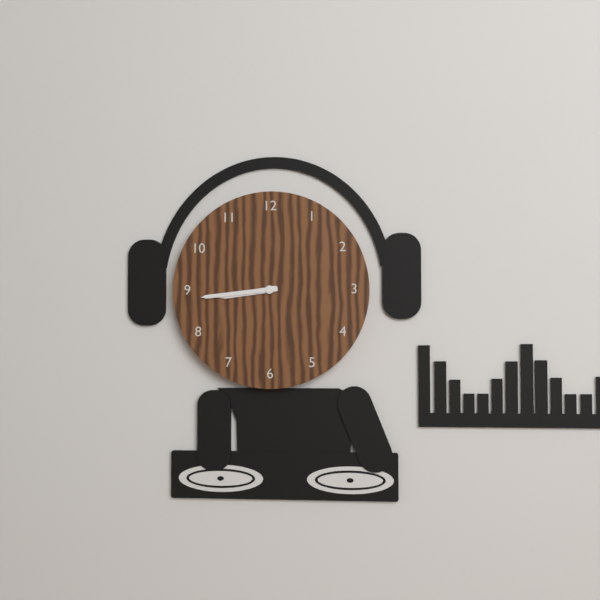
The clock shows h=8 m=44
